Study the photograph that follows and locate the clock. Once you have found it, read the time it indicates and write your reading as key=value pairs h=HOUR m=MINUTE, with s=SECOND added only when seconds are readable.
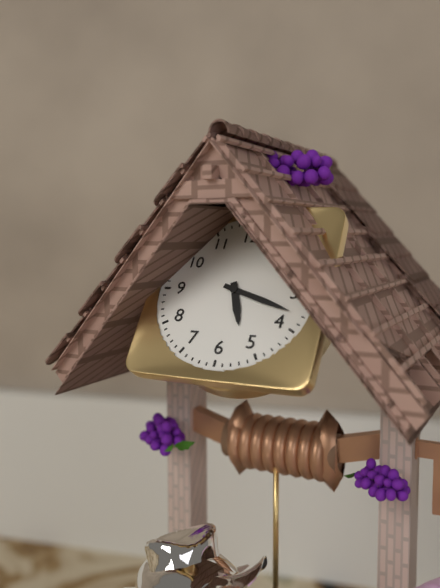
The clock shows h=5 m=18
